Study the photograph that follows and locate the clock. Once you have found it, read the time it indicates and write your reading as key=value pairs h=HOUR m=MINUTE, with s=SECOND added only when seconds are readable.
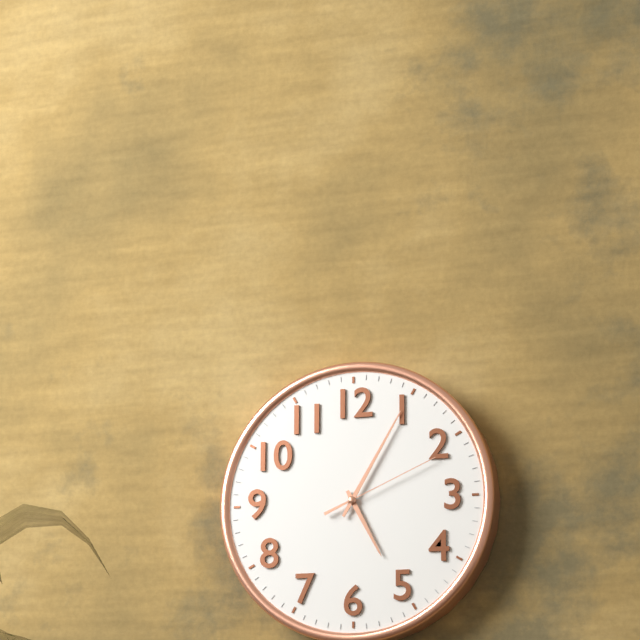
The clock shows h=5 m=5 s=11
